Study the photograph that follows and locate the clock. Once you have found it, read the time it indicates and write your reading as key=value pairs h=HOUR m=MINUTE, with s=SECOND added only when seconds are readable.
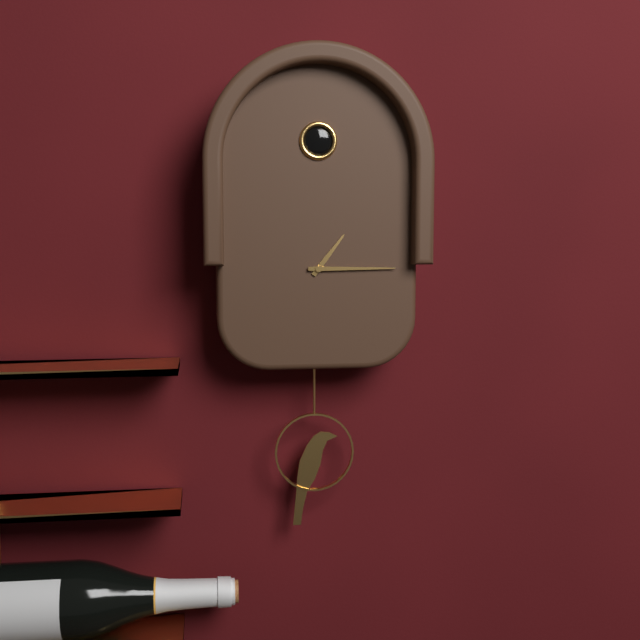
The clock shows h=1 m=15
